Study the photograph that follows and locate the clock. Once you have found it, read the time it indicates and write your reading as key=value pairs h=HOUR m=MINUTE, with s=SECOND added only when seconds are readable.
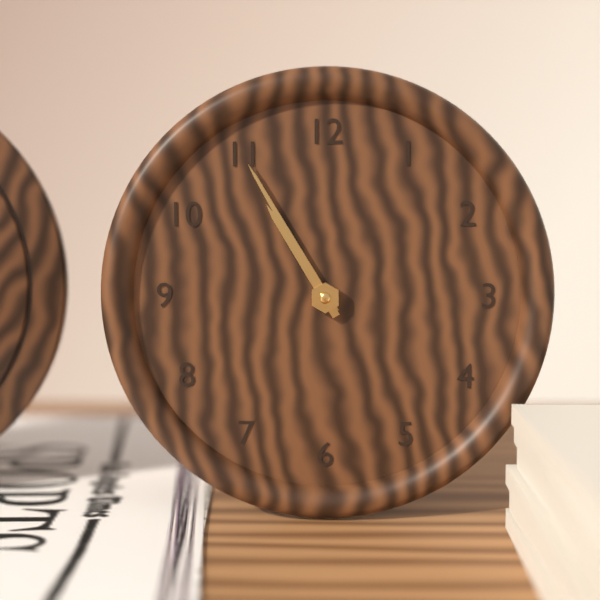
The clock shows h=10 m=55
